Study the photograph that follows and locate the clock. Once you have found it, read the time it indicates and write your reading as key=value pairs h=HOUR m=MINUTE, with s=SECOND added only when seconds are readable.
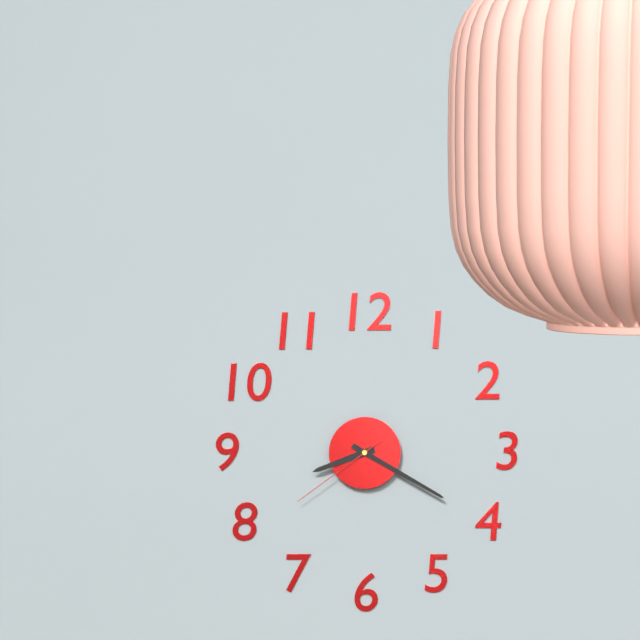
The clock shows h=8 m=20 s=39
